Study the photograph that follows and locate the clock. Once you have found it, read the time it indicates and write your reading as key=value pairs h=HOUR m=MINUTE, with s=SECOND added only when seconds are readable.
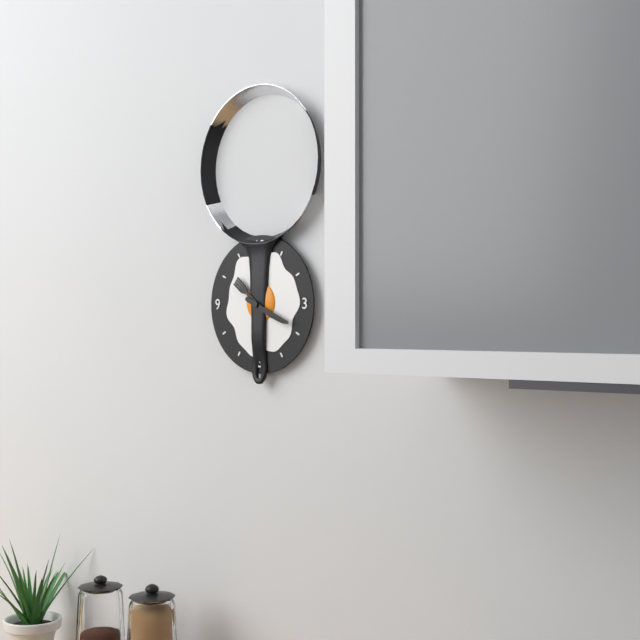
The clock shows h=10 m=19
